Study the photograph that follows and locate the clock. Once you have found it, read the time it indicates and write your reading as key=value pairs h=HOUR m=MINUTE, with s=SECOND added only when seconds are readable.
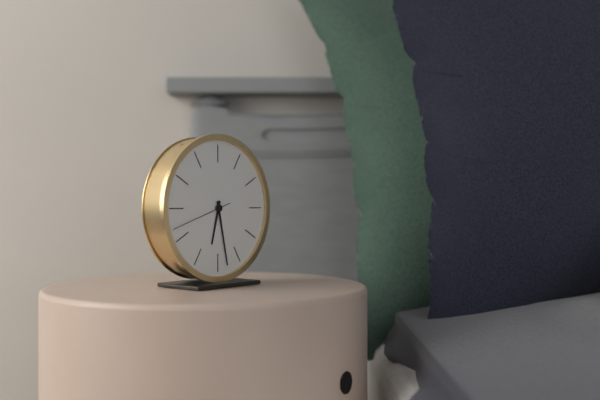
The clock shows h=6 m=28 s=42
